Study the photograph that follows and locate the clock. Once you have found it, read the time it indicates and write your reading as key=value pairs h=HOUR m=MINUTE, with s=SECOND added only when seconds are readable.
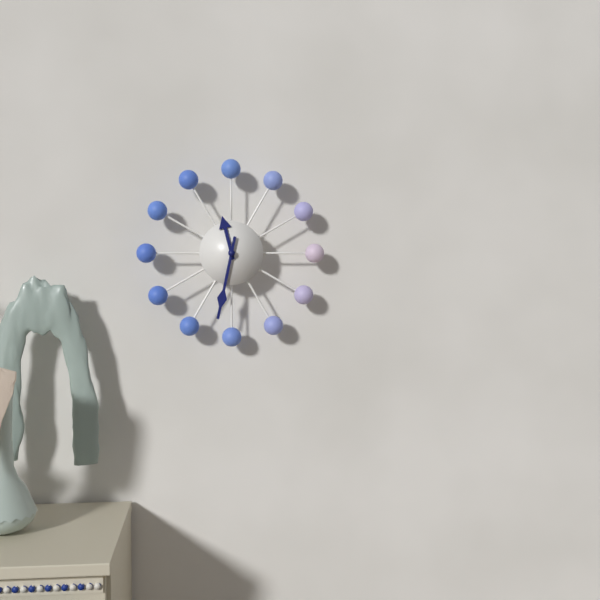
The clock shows h=11 m=32
